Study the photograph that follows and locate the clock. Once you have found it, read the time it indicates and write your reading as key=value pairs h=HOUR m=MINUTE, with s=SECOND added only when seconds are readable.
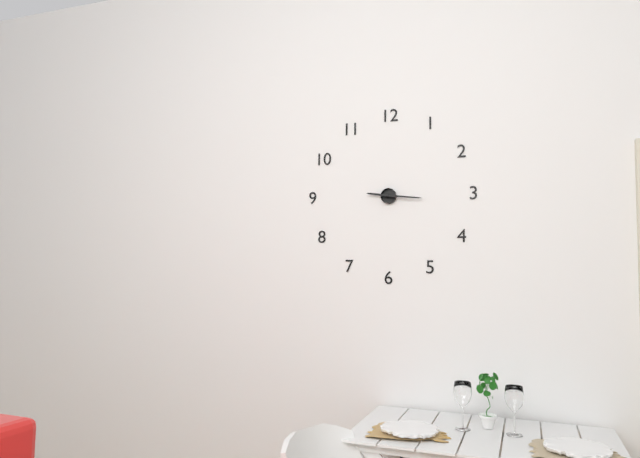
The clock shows h=9 m=16
